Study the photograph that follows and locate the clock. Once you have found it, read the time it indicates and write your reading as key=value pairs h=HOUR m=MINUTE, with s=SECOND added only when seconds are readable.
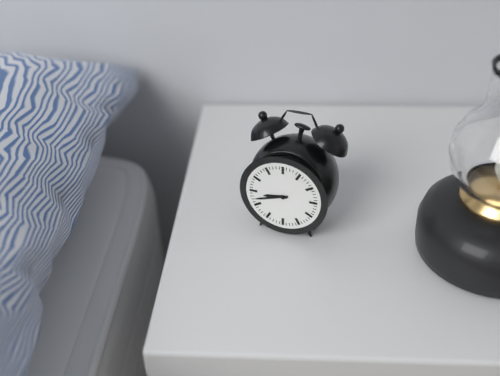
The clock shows h=8 m=42
